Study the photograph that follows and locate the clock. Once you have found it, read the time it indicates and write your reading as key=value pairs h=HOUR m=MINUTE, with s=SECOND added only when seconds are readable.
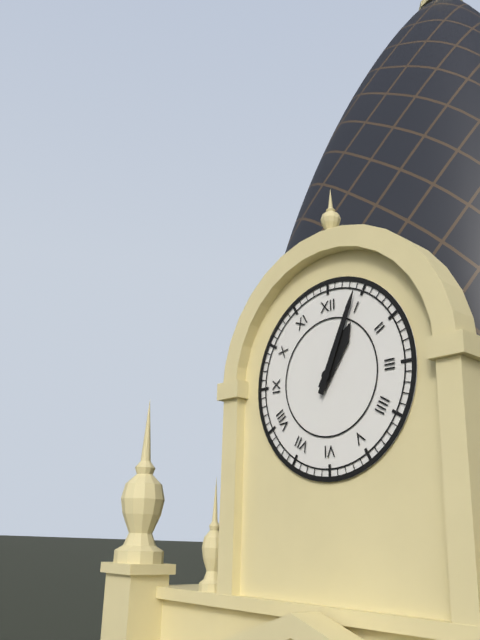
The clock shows h=1 m=4
